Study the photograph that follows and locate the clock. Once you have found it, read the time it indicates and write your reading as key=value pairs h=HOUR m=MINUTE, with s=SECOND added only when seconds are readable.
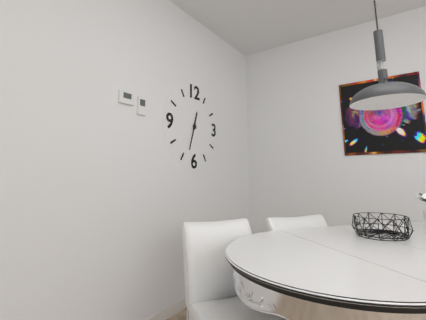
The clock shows h=12 m=33
